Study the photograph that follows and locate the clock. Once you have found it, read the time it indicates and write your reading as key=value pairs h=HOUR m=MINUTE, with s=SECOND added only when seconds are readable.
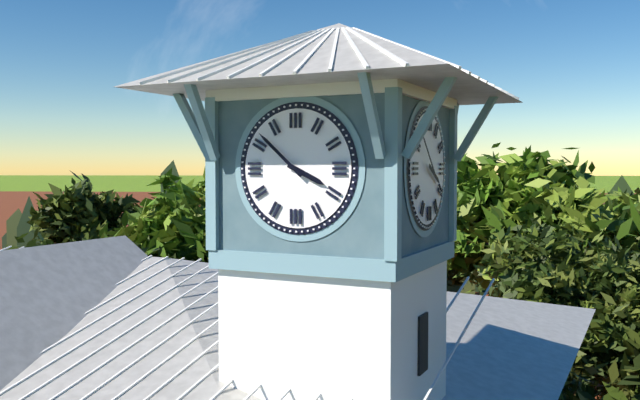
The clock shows h=3 m=52
